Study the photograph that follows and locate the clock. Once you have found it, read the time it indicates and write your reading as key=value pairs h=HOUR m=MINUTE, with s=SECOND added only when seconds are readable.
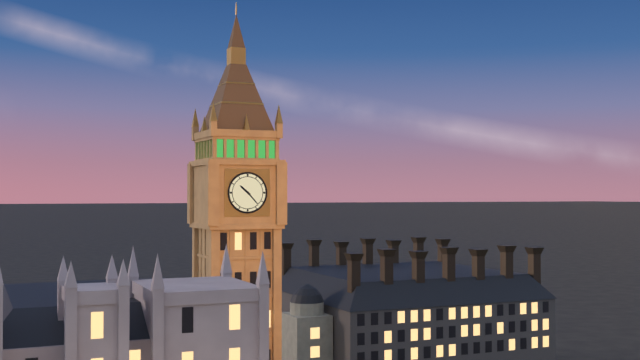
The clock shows h=10 m=23
